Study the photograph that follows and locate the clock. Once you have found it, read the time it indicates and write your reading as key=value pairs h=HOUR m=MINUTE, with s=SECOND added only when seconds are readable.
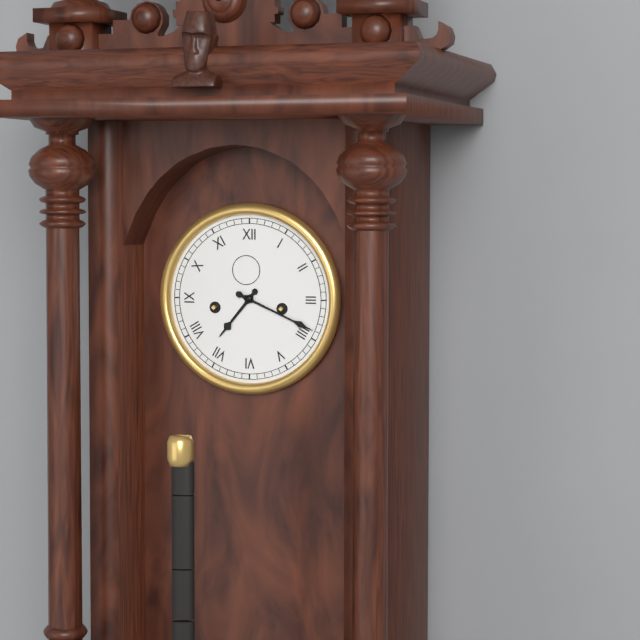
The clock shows h=7 m=19
